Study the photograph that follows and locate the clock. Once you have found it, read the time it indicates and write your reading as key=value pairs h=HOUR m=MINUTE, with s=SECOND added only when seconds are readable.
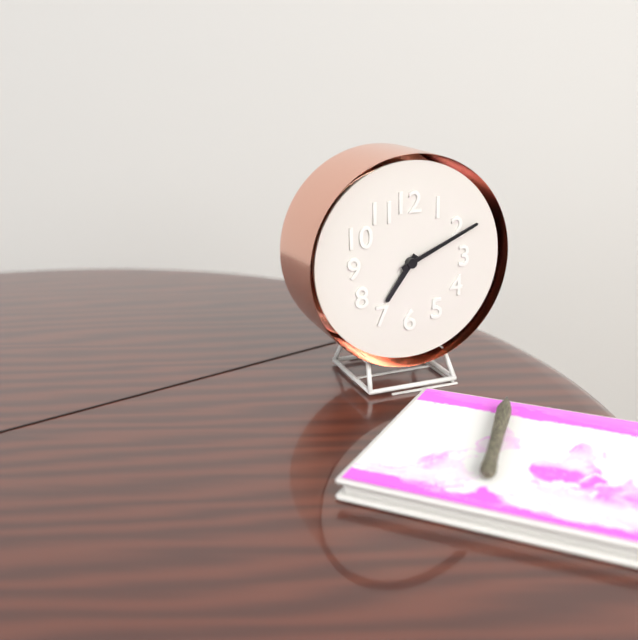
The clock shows h=7 m=11
